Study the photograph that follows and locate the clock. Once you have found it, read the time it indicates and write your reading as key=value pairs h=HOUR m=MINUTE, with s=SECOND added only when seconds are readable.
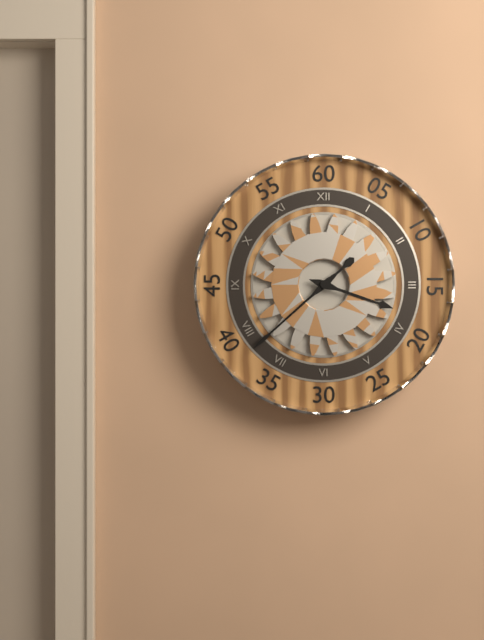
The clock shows h=3 m=38
